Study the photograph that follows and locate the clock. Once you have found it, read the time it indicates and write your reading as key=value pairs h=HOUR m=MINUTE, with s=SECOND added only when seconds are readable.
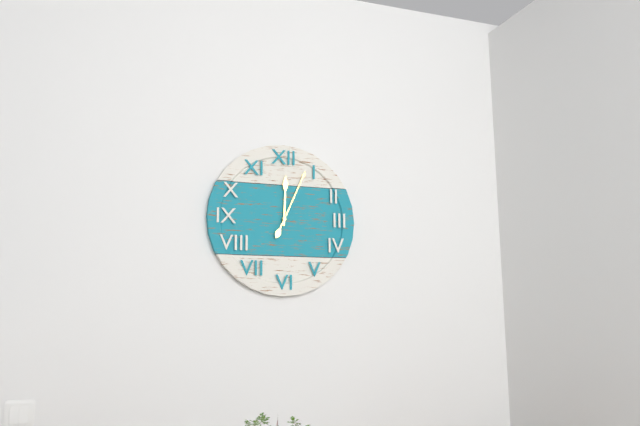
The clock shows h=12 m=4
